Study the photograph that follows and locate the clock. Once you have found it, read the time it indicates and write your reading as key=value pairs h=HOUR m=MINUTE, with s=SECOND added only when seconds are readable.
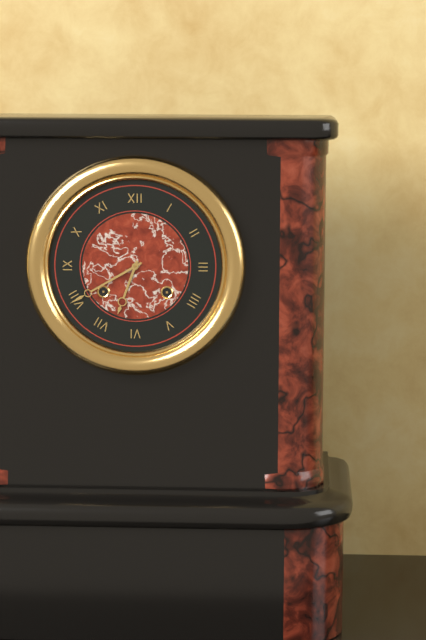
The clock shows h=6 m=40
